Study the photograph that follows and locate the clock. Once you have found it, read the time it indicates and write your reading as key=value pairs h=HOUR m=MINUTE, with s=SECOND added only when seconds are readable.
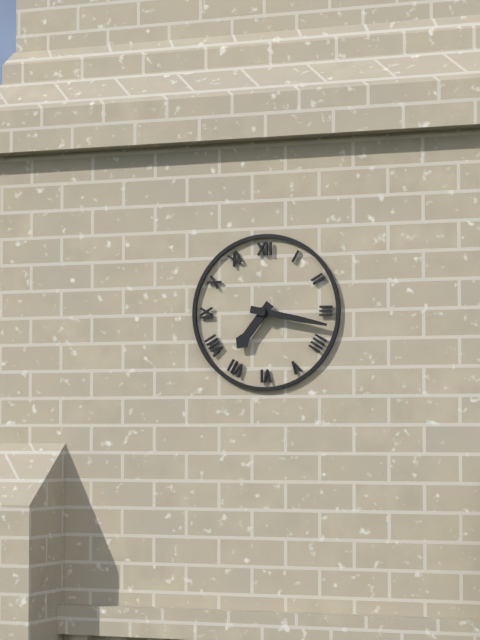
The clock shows h=7 m=17
